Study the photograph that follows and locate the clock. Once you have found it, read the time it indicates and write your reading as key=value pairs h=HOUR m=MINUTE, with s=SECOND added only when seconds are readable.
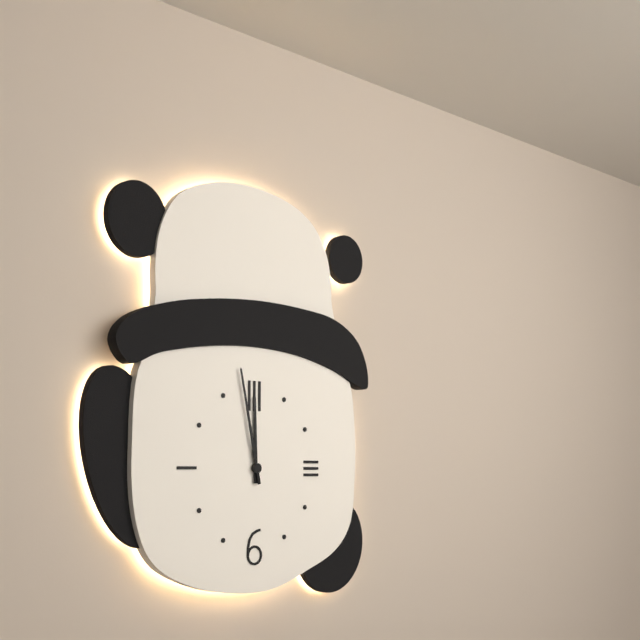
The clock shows h=11 m=58
